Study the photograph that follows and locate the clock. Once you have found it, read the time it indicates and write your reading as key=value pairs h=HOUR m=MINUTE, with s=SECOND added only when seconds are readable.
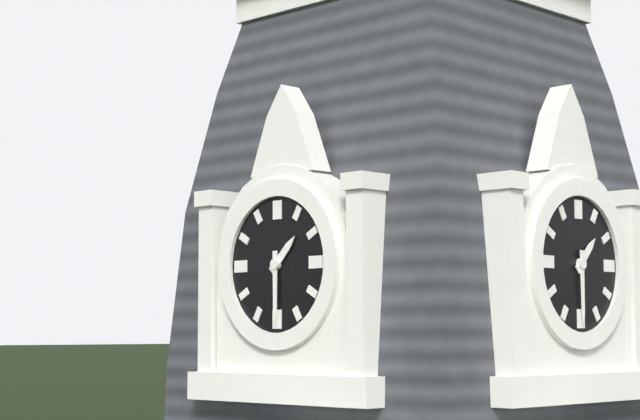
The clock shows h=1 m=30
